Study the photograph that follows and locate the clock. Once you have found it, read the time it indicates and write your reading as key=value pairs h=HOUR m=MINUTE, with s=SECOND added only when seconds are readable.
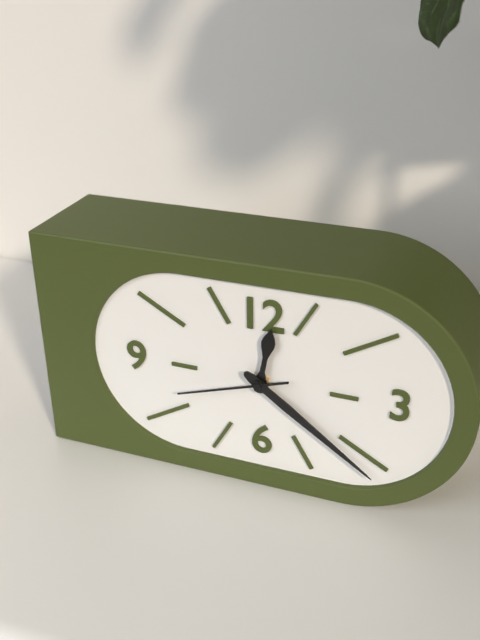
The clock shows h=12 m=21 s=42
